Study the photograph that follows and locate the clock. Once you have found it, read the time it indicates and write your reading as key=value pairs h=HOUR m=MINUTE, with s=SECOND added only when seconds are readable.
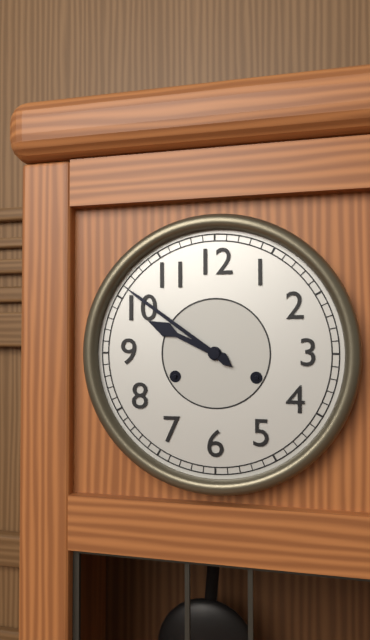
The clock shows h=9 m=51
